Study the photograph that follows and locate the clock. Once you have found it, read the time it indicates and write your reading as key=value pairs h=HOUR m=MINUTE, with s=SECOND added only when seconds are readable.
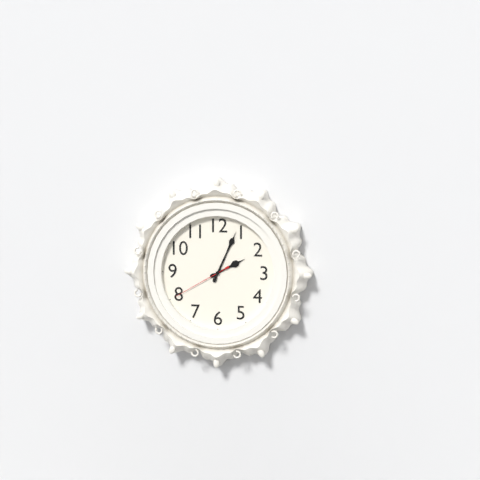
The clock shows h=2 m=4 s=40
